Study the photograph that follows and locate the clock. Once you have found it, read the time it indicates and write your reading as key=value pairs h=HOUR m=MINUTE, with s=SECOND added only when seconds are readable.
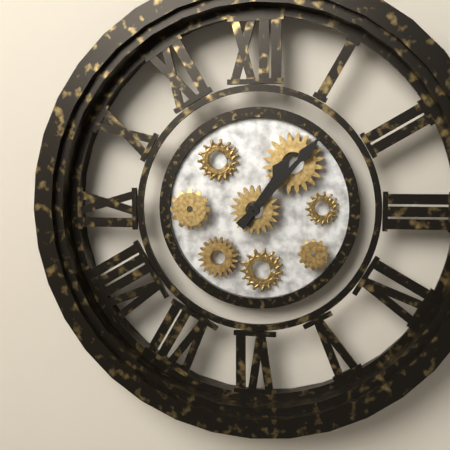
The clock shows h=1 m=7
